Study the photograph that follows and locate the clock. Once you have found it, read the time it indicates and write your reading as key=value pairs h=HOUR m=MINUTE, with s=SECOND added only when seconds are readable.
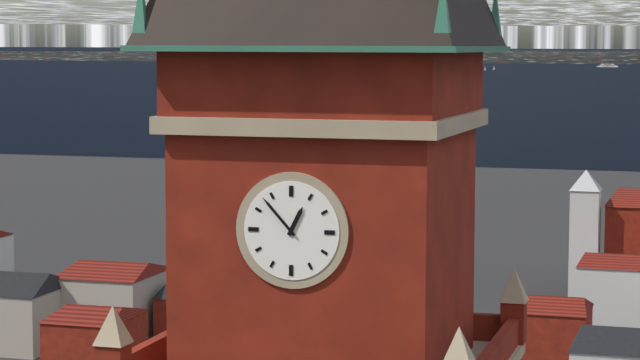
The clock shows h=12 m=53
